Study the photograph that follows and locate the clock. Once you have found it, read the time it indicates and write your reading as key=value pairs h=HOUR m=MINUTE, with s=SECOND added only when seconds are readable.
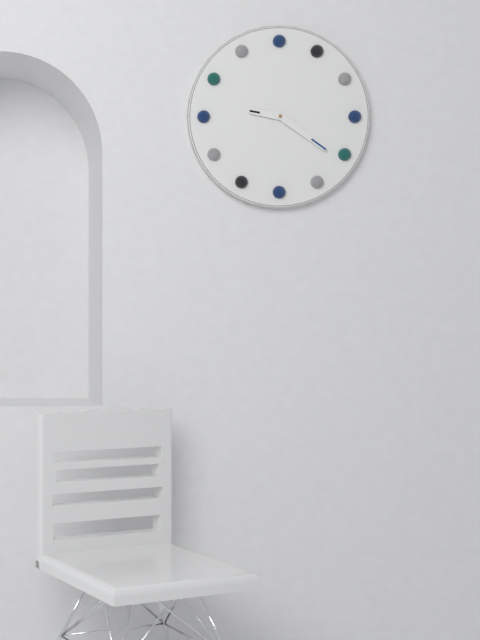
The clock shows h=9 m=21
